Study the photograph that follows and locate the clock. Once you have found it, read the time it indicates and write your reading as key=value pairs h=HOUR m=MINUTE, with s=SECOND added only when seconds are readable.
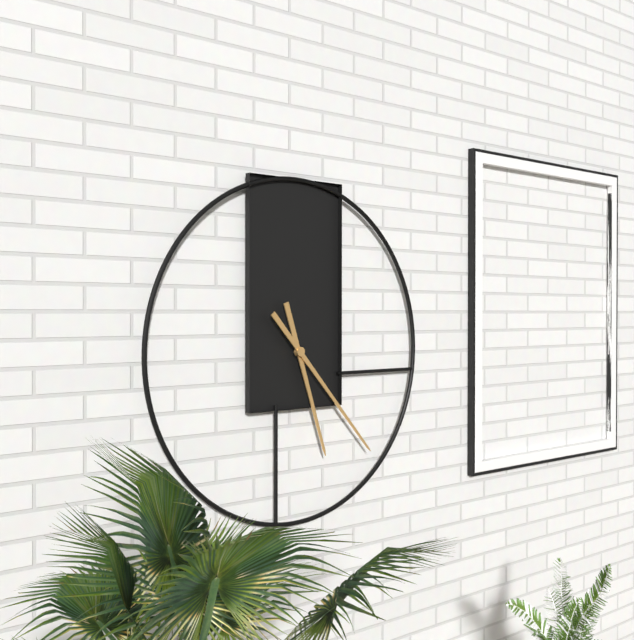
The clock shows h=5 m=23
